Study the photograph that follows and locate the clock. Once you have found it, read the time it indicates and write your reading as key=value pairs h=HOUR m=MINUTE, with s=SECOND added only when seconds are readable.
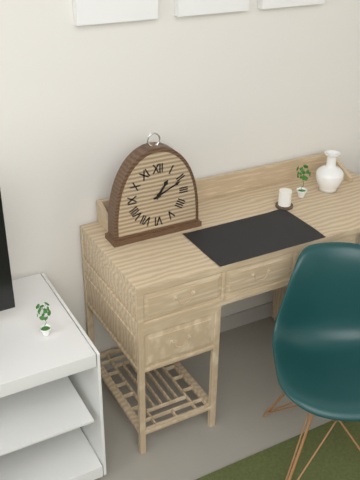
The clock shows h=1 m=11
